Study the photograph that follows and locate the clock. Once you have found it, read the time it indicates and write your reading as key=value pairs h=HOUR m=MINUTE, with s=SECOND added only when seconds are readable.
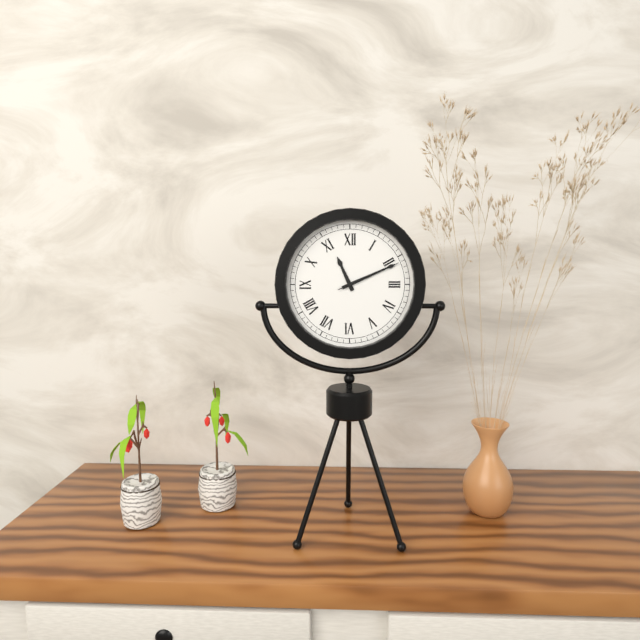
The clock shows h=11 m=11 s=11
